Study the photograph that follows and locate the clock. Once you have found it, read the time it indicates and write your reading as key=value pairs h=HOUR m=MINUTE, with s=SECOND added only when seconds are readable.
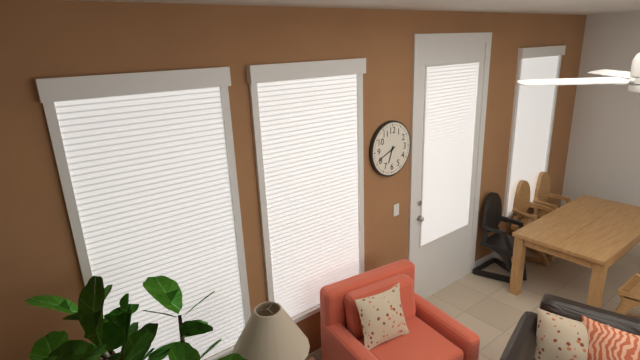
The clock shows h=6 m=41
